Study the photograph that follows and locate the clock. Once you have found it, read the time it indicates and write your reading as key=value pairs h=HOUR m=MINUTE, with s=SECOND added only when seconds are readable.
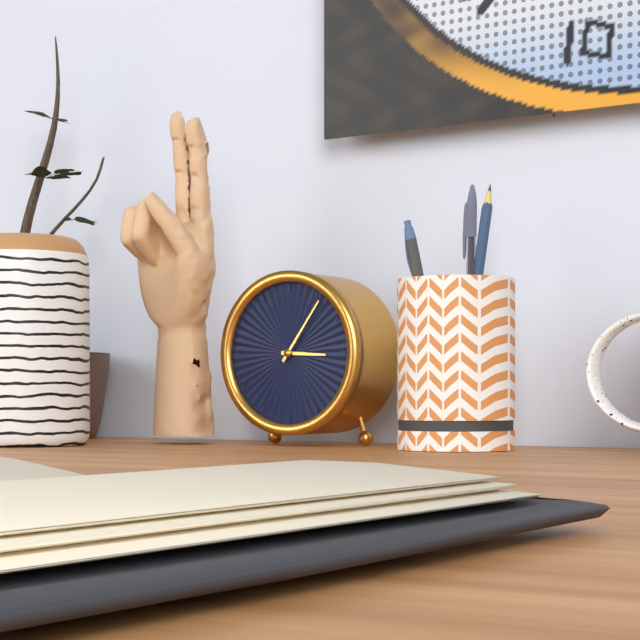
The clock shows h=3 m=6
